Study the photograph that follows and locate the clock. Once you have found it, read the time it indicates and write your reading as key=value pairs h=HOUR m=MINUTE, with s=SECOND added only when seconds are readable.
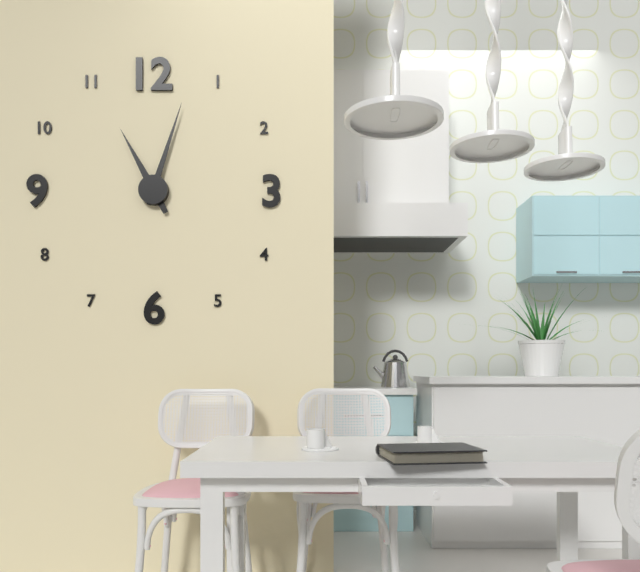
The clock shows h=11 m=3
